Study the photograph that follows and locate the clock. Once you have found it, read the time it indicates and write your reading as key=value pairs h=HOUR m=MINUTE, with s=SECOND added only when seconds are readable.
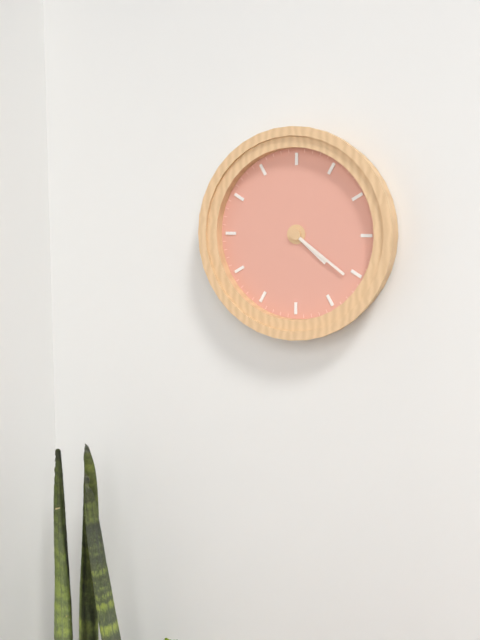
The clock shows h=4 m=21
